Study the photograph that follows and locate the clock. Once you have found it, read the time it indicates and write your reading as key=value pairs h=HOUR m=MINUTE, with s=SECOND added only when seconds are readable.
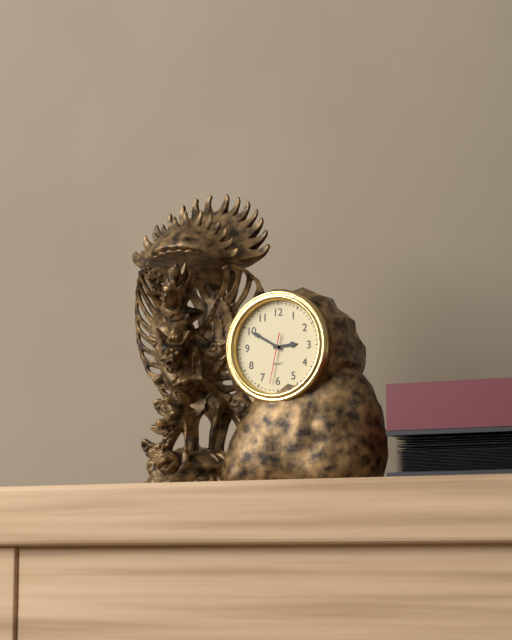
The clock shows h=2 m=50
